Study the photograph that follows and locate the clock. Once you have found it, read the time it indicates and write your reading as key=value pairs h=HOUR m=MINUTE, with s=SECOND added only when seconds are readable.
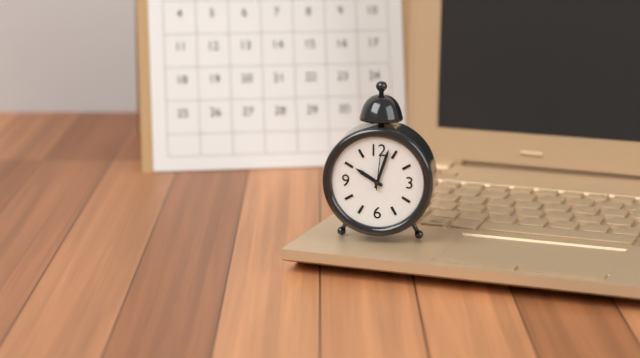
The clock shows h=10 m=3
